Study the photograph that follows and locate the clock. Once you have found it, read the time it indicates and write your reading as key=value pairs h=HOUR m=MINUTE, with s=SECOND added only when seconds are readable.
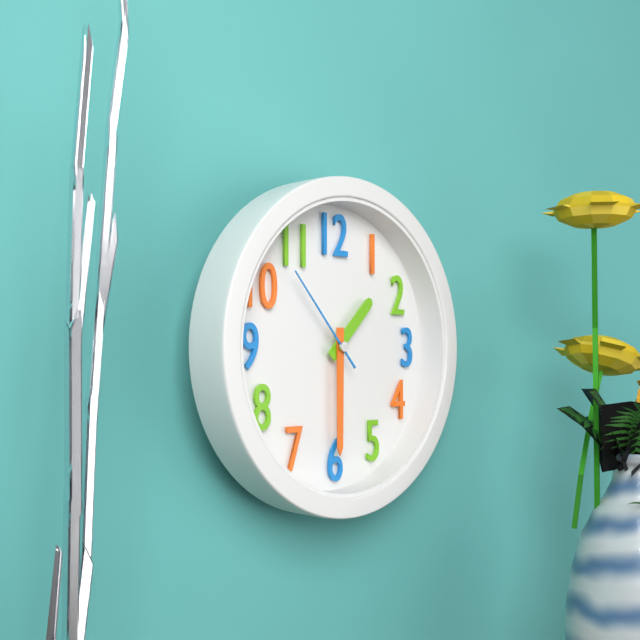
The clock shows h=1 m=30 s=53
